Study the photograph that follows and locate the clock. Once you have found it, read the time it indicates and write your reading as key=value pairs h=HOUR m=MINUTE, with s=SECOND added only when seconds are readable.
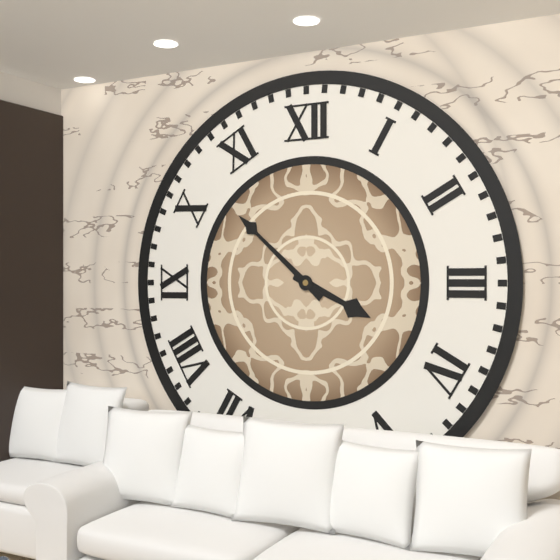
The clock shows h=3 m=52
